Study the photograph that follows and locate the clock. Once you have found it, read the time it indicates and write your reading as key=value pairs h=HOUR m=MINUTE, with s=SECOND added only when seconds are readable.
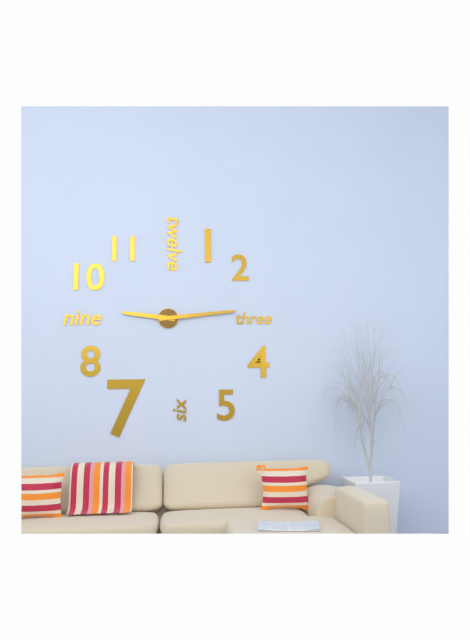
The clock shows h=9 m=14
